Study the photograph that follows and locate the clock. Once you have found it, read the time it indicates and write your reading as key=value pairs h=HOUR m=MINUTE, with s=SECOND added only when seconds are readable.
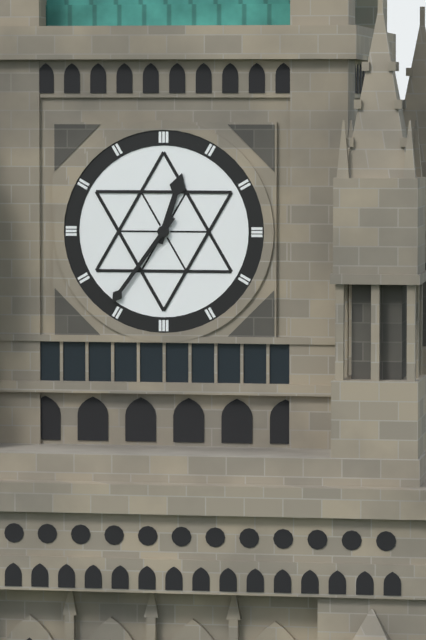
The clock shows h=12 m=36
